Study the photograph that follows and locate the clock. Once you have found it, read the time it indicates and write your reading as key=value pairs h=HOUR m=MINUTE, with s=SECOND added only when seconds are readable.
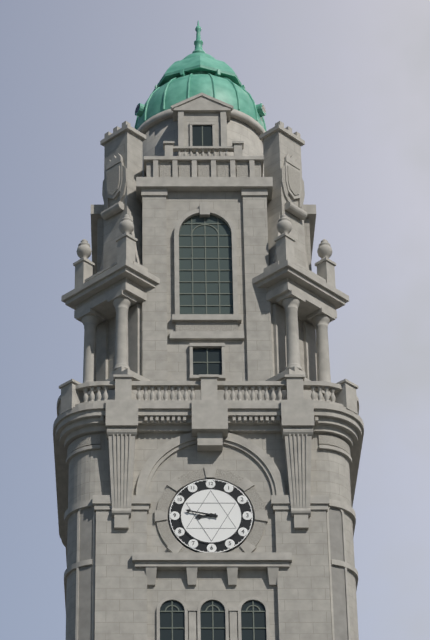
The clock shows h=8 m=47
